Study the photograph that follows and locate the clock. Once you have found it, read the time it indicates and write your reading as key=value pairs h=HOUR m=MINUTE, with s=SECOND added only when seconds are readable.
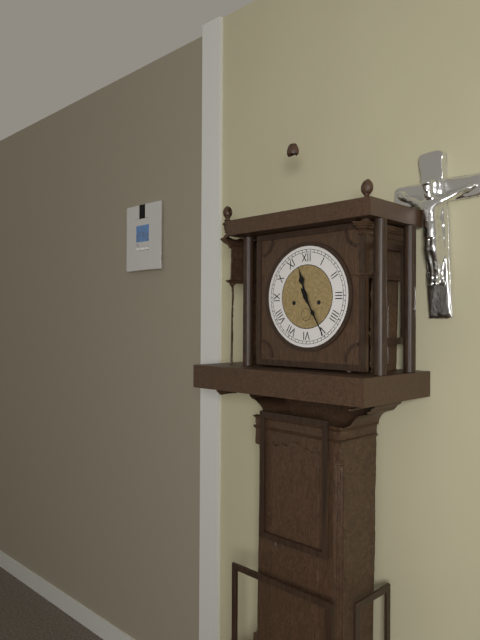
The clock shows h=11 m=25
